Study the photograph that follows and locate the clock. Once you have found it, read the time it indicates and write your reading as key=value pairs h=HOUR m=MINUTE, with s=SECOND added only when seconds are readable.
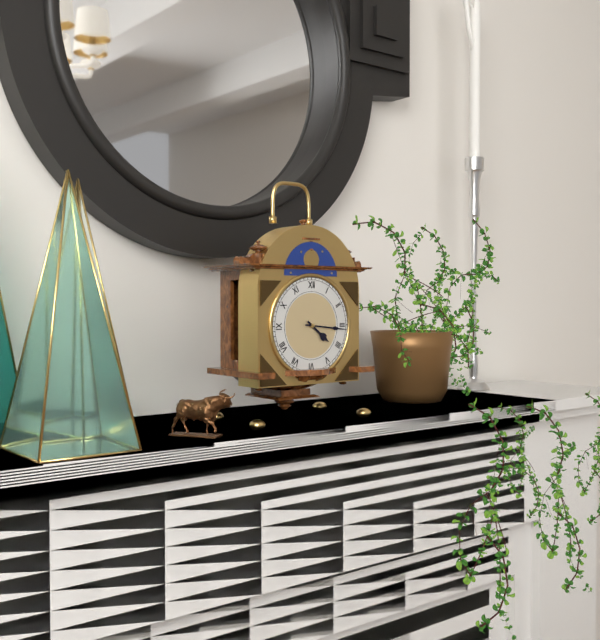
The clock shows h=4 m=16
